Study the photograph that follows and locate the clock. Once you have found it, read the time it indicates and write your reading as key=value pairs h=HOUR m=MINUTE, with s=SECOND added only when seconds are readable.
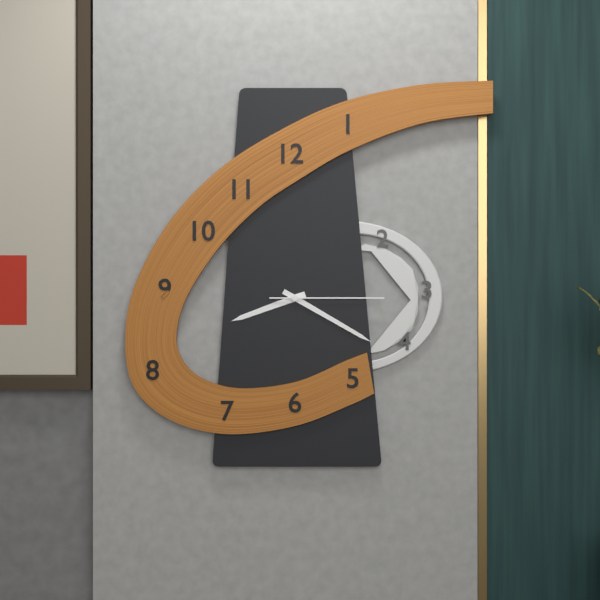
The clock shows h=8 m=20 s=15
